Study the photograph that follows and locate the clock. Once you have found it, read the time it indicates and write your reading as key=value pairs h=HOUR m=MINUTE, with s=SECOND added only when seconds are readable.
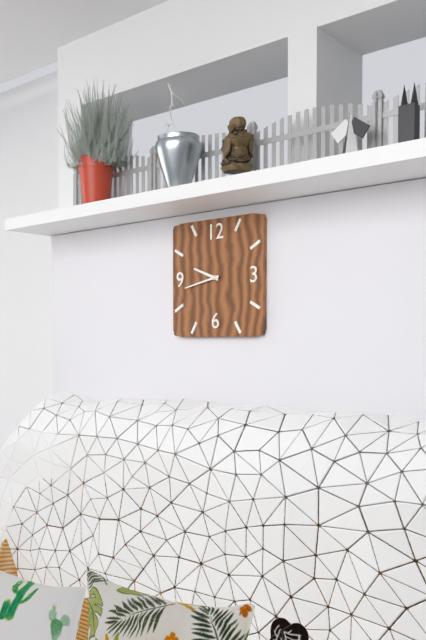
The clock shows h=9 m=43
